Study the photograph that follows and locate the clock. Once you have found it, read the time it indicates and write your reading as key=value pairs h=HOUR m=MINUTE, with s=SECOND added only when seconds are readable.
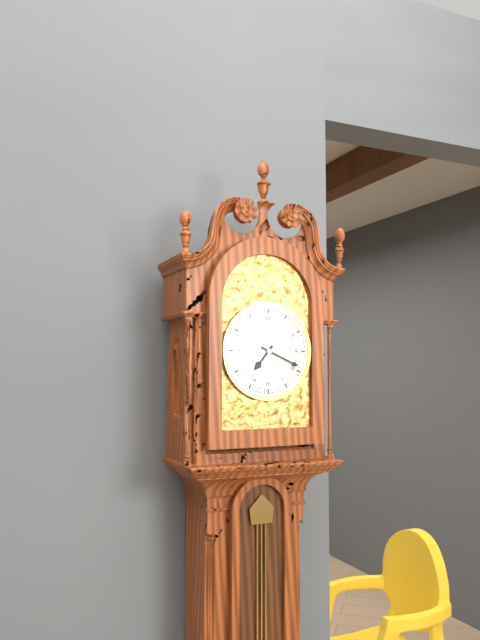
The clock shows h=7 m=19
